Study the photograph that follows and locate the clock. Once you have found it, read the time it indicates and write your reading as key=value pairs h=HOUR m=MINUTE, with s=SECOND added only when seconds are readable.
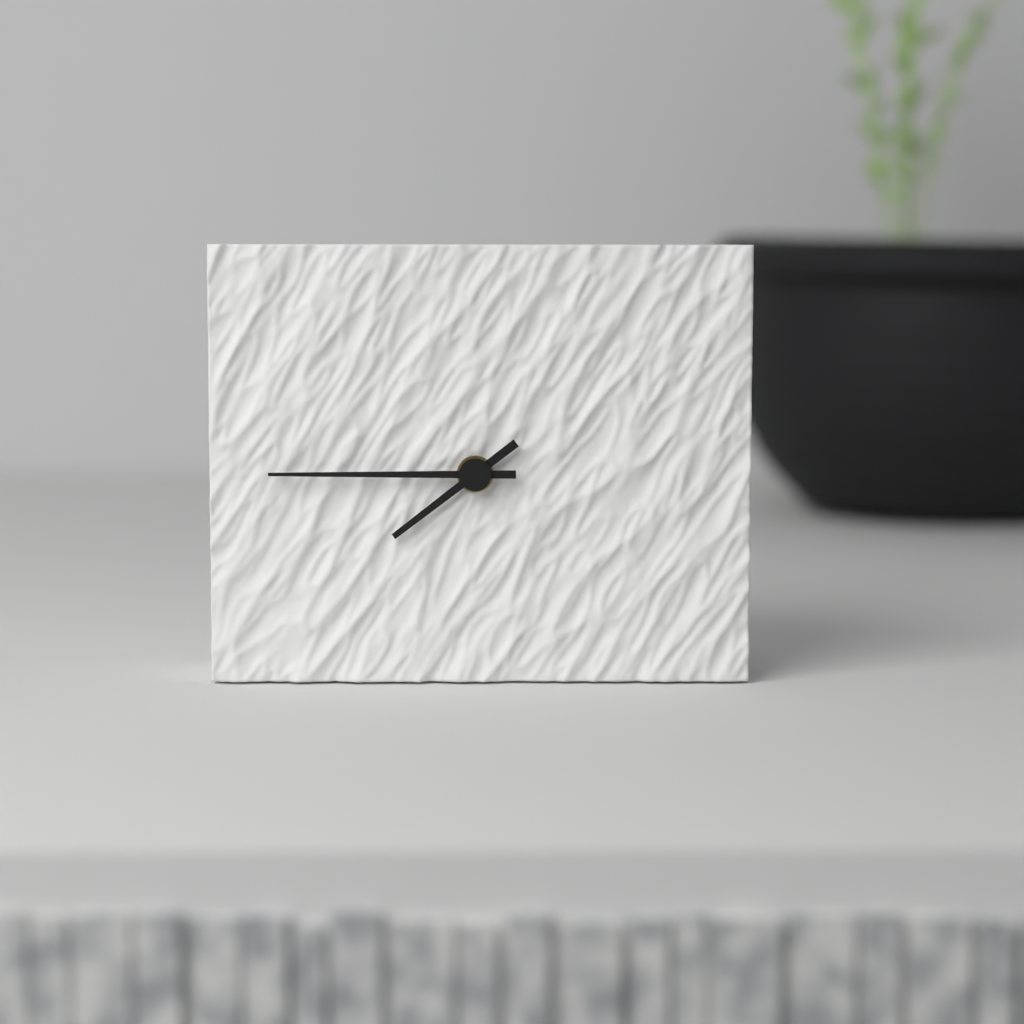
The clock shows h=7 m=45
